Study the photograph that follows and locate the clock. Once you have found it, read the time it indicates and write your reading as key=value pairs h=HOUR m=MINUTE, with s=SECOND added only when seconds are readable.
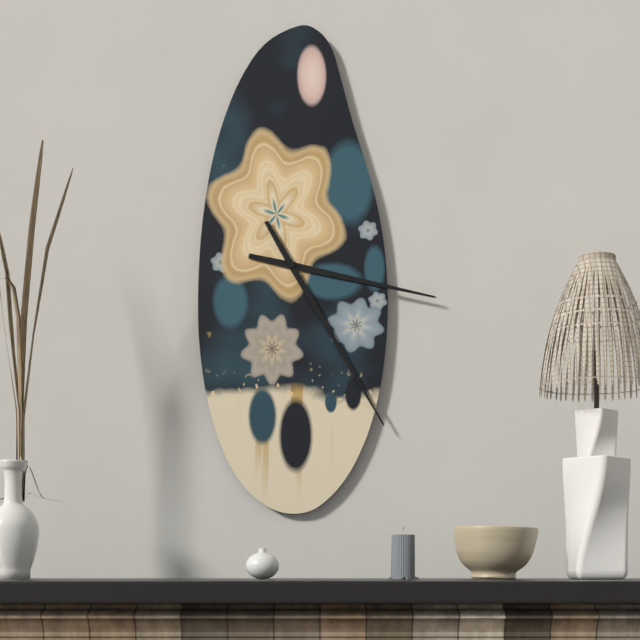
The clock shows h=3 m=25
